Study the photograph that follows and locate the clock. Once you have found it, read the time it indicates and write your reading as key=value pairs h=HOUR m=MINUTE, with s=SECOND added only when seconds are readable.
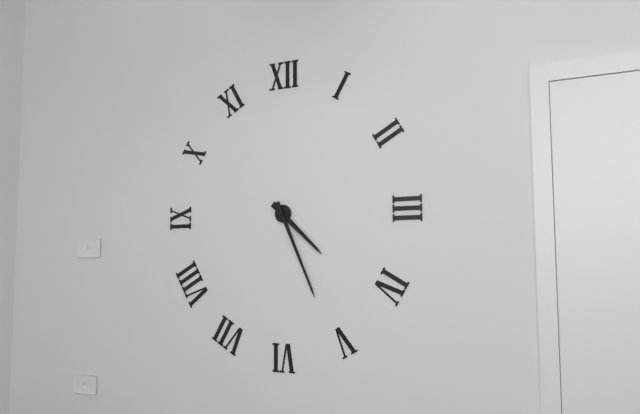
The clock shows h=4 m=26
